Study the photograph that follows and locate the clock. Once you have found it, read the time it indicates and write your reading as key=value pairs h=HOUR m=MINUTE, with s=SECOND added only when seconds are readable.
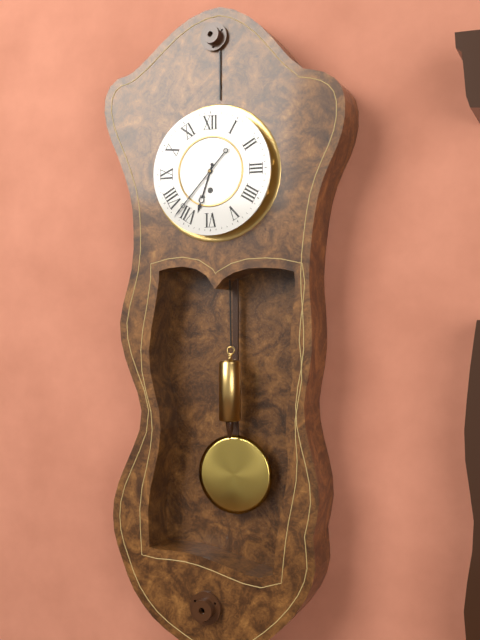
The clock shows h=6 m=37
